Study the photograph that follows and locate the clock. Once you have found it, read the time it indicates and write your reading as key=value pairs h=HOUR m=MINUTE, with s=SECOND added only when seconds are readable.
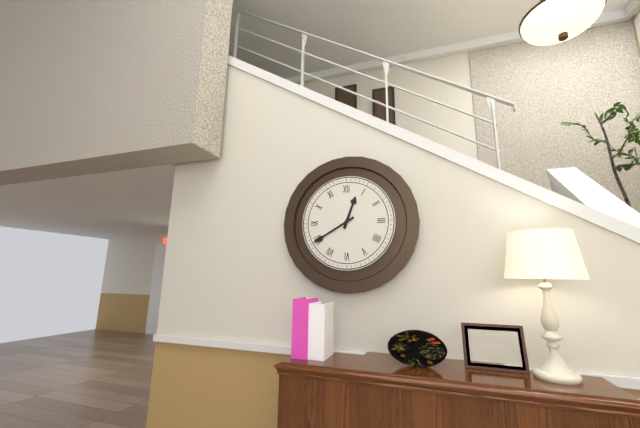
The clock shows h=12 m=40
